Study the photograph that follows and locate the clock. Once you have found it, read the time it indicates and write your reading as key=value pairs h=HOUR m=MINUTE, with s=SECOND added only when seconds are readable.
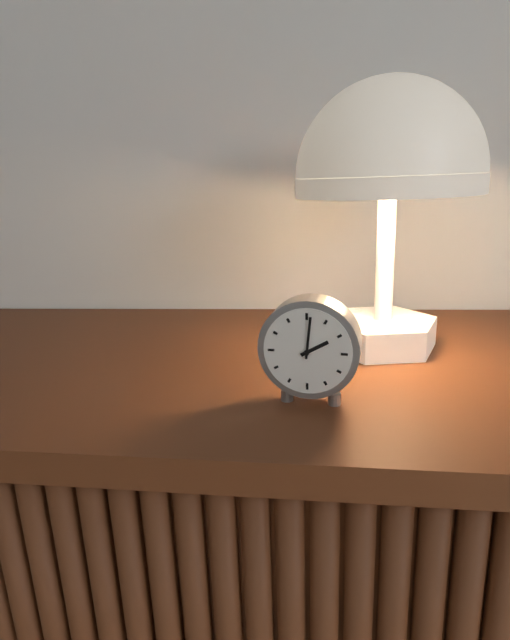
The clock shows h=2 m=1
